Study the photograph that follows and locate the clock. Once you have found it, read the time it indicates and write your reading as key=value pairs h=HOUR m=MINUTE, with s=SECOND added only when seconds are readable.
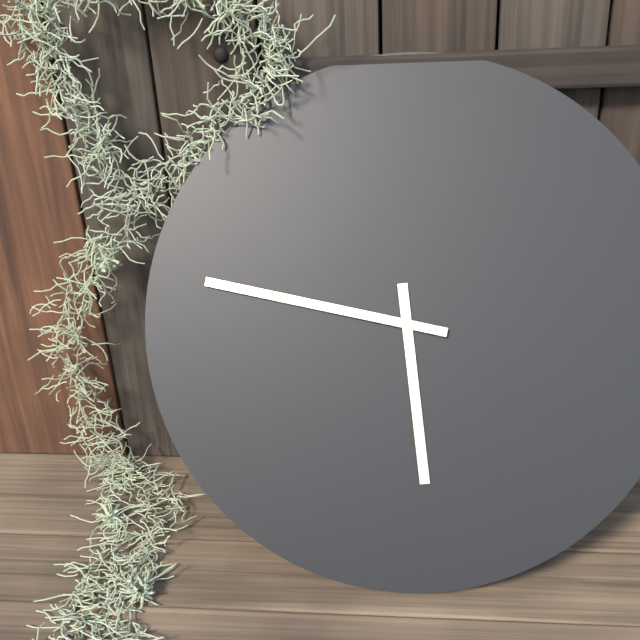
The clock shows h=5 m=47
